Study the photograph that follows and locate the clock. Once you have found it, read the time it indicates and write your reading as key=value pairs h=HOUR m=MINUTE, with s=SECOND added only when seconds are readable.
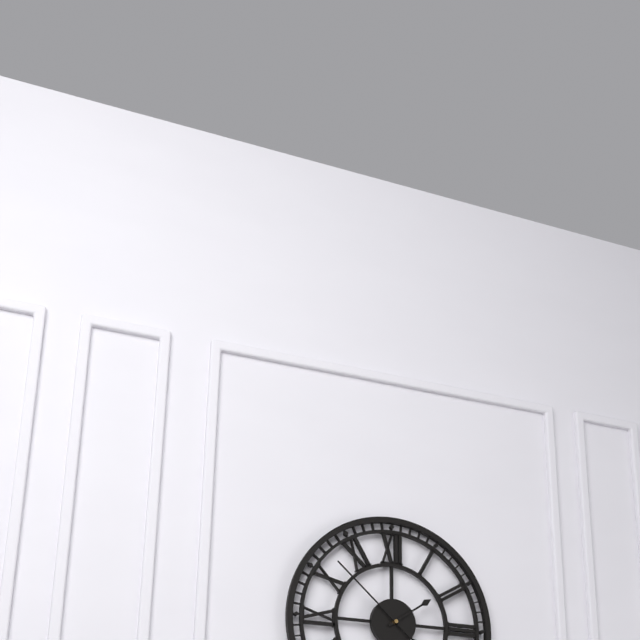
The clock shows h=1 m=52
